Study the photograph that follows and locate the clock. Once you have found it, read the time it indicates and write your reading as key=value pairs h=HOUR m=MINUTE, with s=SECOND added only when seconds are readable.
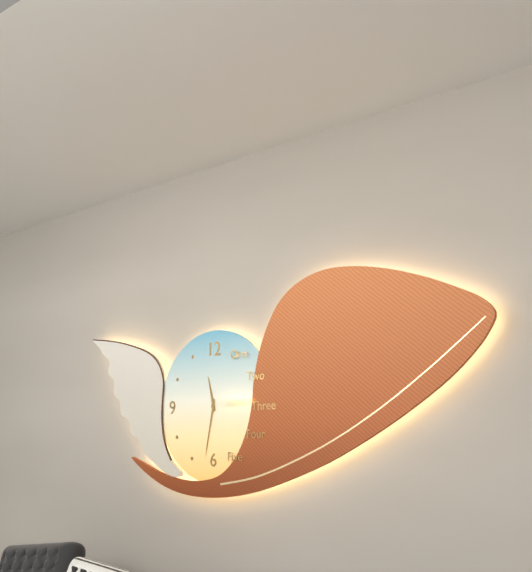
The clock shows h=11 m=32
